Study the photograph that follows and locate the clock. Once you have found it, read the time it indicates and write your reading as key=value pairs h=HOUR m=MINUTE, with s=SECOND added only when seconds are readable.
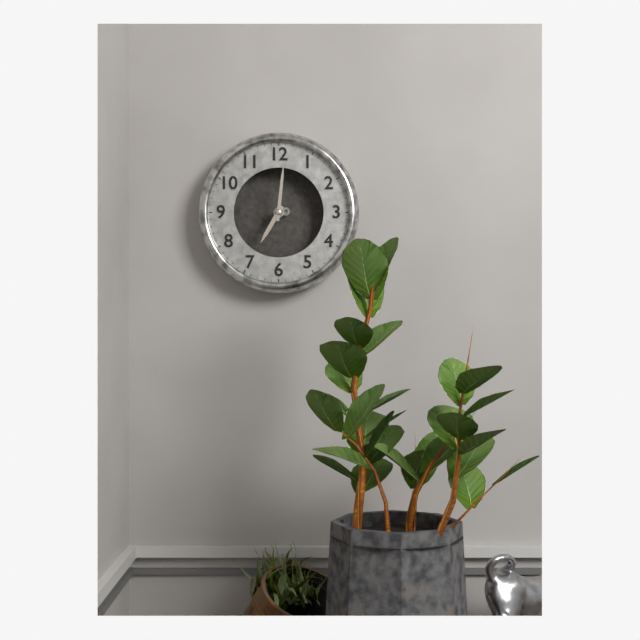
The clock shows h=7 m=1
